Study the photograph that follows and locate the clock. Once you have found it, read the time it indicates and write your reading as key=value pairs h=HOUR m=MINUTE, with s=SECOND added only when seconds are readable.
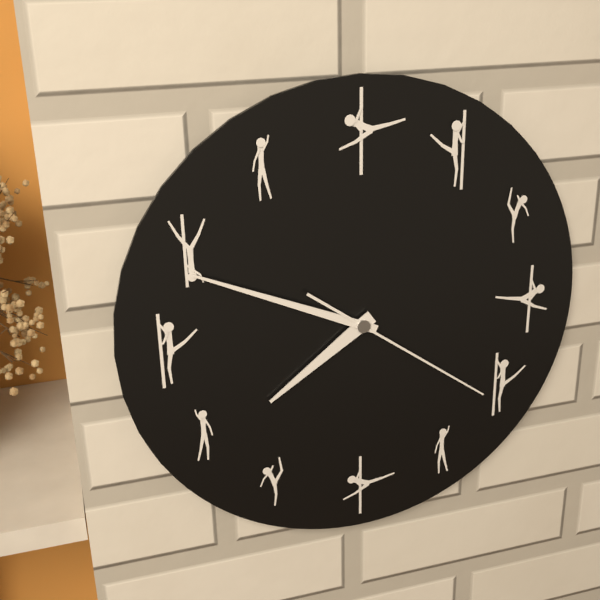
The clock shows h=7 m=49 s=21
